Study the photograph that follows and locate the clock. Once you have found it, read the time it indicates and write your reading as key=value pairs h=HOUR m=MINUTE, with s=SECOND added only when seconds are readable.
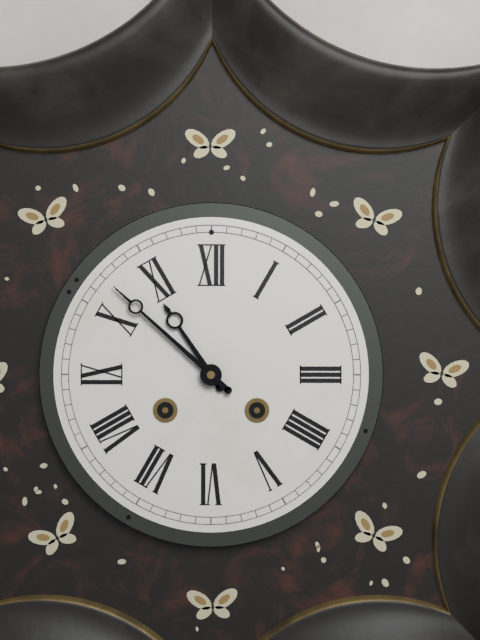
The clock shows h=10 m=52
